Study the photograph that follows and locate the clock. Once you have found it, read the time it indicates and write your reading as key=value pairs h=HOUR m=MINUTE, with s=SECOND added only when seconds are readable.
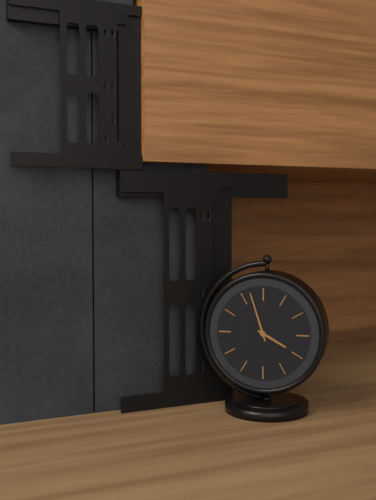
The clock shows h=3 m=57
